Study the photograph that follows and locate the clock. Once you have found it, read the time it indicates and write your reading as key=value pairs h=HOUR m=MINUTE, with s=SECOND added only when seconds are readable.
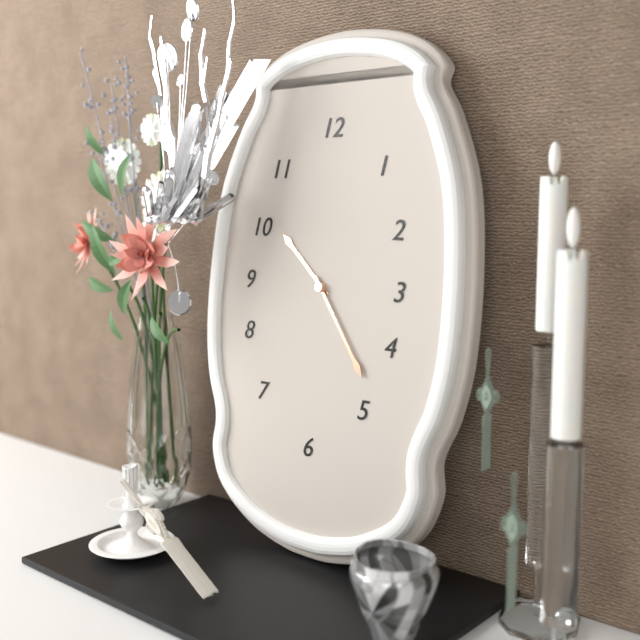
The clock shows h=10 m=24
